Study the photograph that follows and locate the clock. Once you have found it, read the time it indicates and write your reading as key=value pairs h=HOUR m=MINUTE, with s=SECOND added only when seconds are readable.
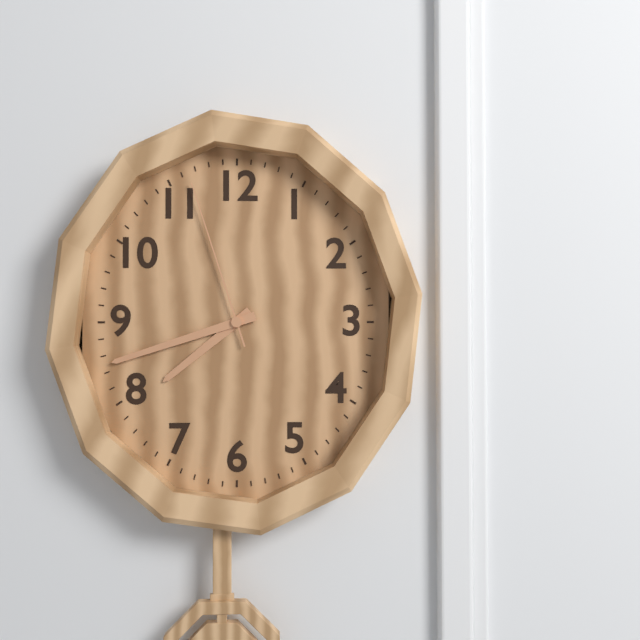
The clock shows h=7 m=42 s=57
